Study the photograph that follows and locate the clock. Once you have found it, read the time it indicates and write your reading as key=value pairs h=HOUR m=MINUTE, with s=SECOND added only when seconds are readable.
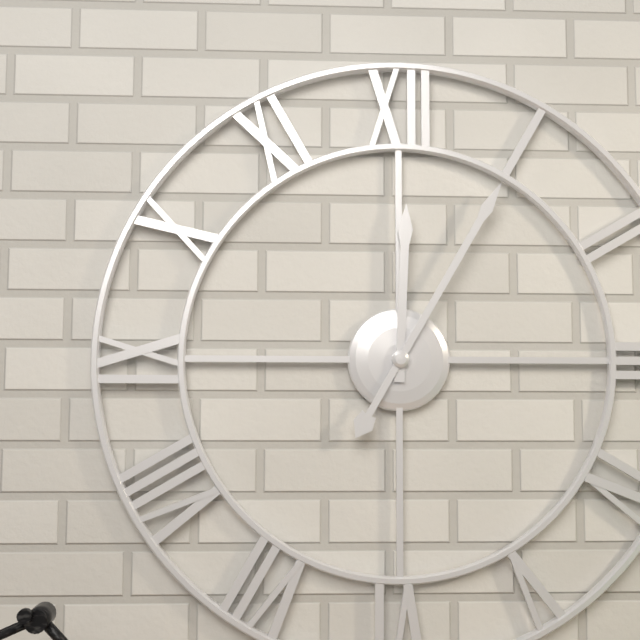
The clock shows h=12 m=5
